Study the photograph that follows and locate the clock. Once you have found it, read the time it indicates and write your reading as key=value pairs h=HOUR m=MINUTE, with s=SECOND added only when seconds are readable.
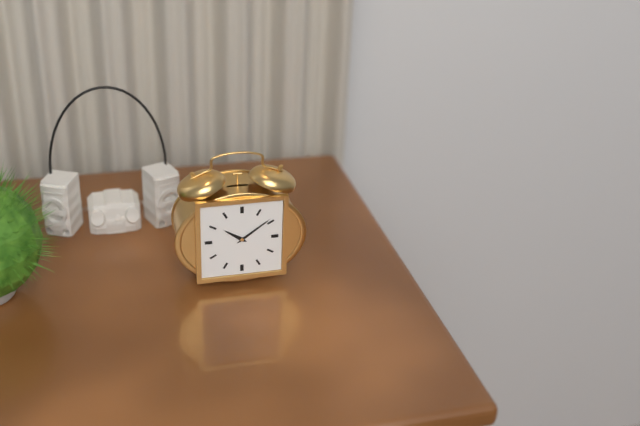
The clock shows h=10 m=9
